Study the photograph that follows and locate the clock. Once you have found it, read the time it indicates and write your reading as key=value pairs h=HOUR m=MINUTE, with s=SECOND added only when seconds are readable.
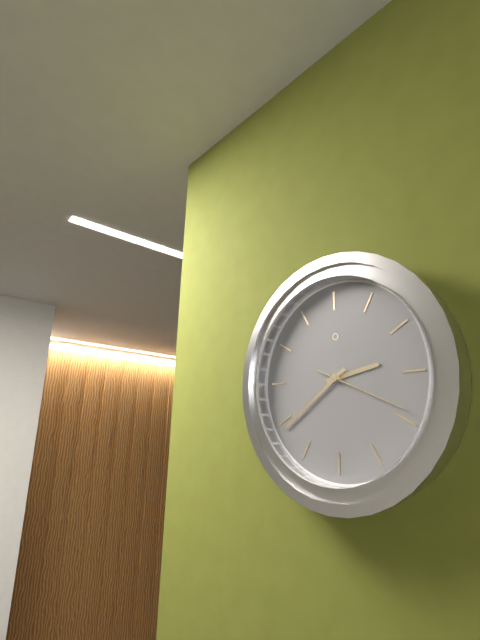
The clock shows h=2 m=39 s=19
